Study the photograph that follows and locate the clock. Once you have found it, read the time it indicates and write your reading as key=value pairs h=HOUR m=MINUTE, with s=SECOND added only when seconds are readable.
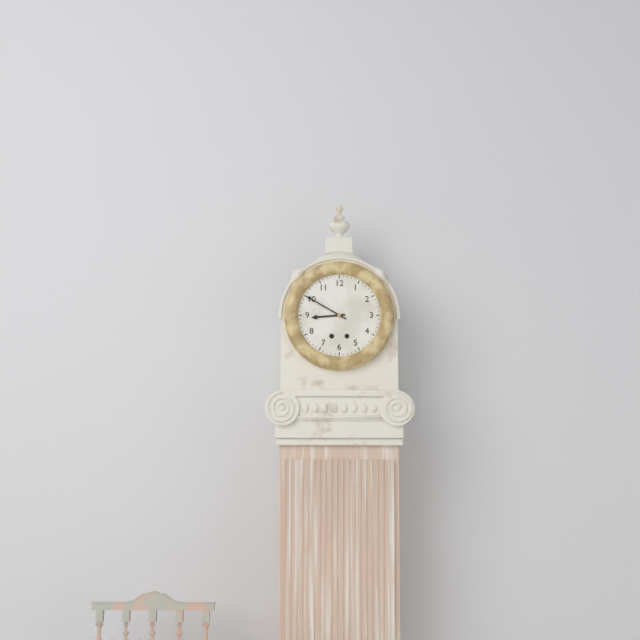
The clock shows h=8 m=50
